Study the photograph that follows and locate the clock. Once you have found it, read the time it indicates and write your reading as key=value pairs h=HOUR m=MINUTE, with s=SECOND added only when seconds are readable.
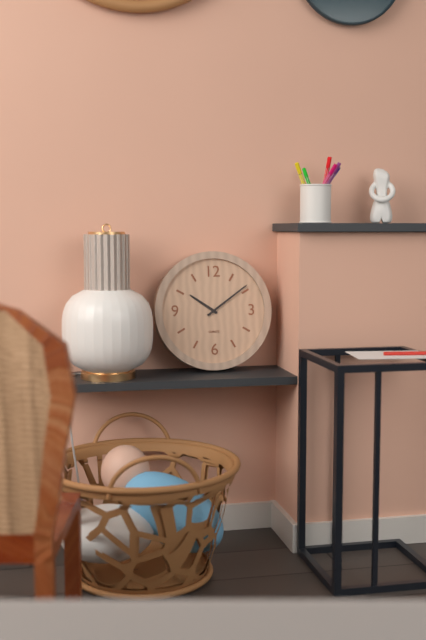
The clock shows h=10 m=9
